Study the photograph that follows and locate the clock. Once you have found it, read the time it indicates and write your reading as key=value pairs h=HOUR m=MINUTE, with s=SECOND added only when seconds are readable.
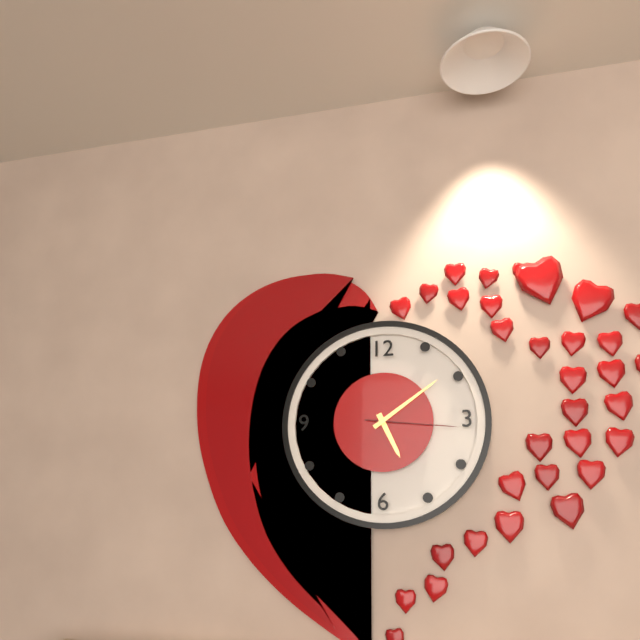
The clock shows h=5 m=9 s=16
